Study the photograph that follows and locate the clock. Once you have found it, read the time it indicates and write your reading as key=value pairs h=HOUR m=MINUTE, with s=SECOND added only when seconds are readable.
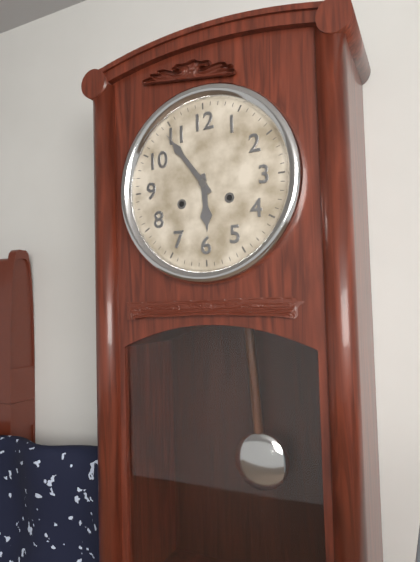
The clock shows h=5 m=54
